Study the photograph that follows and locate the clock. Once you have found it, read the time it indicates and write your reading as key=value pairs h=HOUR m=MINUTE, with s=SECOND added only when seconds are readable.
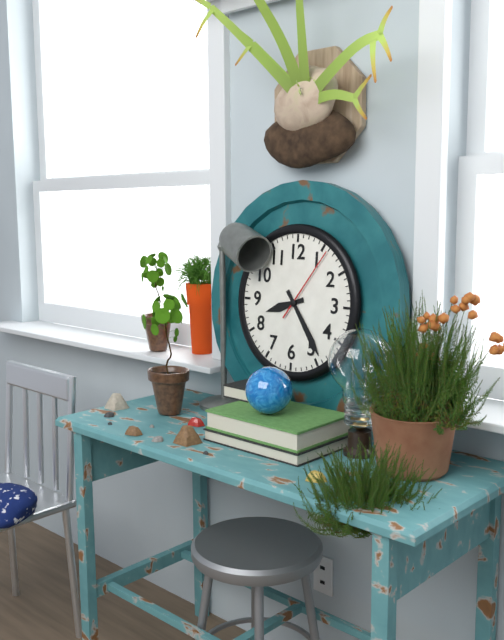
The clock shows h=8 m=24 s=6
